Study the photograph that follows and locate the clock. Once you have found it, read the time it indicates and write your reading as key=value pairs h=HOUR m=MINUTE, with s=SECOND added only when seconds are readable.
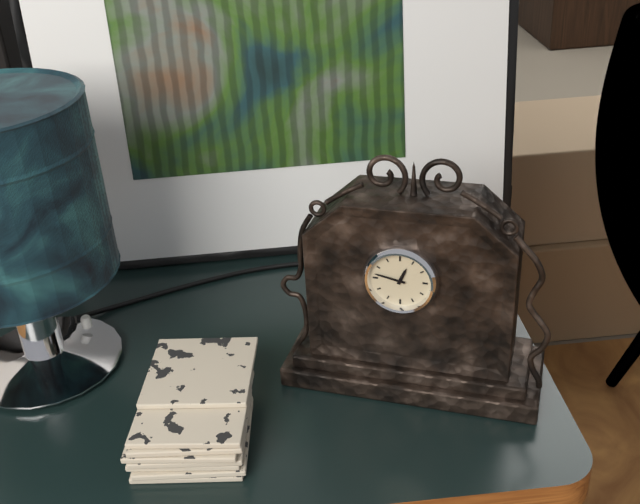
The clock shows h=12 m=47
